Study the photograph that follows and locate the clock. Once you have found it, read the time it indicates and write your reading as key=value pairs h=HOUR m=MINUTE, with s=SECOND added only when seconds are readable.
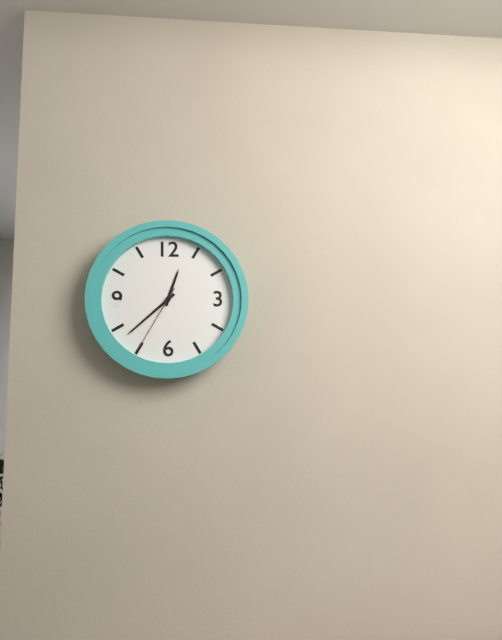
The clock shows h=12 m=38 s=35
